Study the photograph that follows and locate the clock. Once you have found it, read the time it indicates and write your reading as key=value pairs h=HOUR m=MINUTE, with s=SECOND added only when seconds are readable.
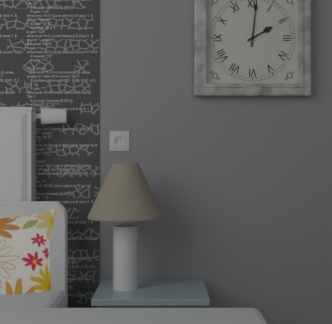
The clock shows h=2 m=1
